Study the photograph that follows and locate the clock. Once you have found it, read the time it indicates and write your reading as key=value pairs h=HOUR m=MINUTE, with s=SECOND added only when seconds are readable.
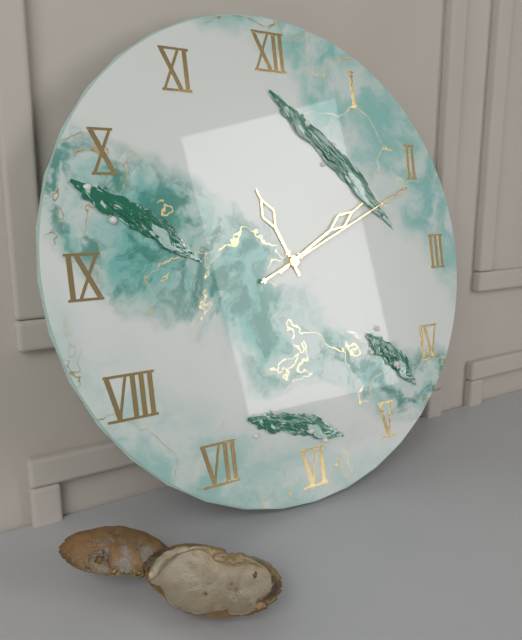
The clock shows h=11 m=10 s=11
